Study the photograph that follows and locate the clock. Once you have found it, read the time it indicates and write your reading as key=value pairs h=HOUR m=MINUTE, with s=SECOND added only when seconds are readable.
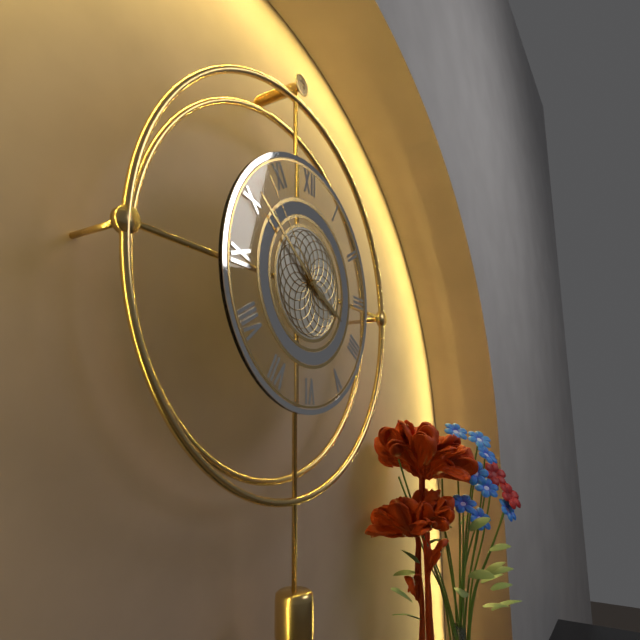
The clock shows h=3 m=51 s=53
